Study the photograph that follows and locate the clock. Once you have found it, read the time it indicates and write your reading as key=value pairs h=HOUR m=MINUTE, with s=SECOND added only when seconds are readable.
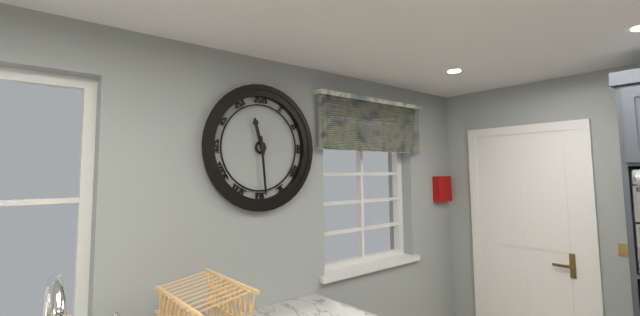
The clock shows h=11 m=29
